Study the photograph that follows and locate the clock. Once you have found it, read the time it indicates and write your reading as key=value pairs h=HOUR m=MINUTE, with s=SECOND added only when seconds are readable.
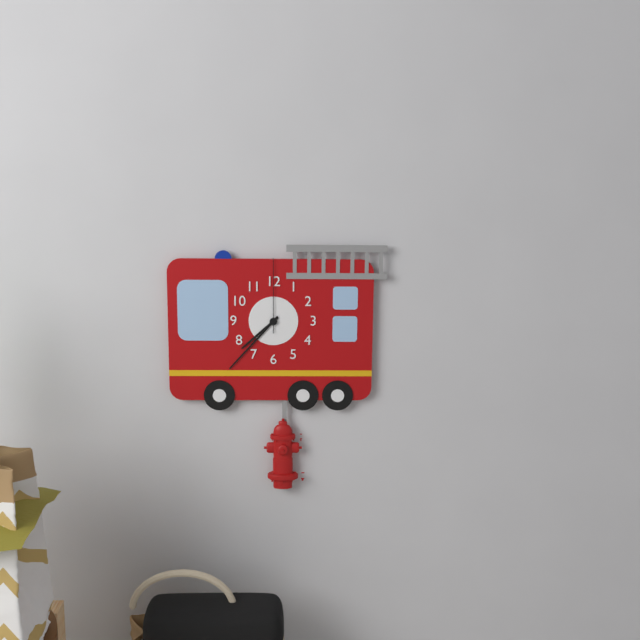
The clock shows h=7 m=37 s=0
